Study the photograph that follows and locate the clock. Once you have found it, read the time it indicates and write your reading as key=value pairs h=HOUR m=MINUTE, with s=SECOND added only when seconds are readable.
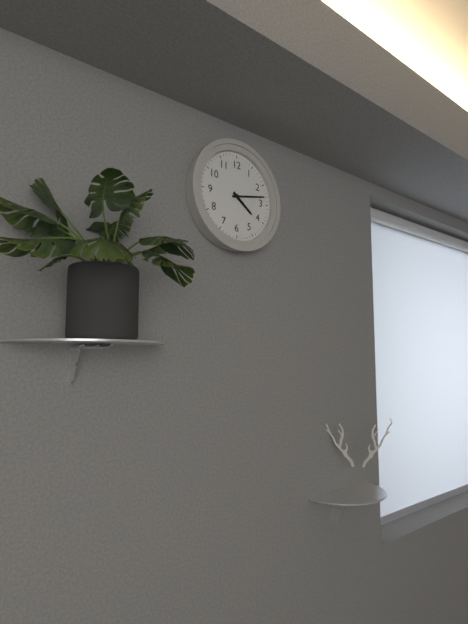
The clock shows h=4 m=13
